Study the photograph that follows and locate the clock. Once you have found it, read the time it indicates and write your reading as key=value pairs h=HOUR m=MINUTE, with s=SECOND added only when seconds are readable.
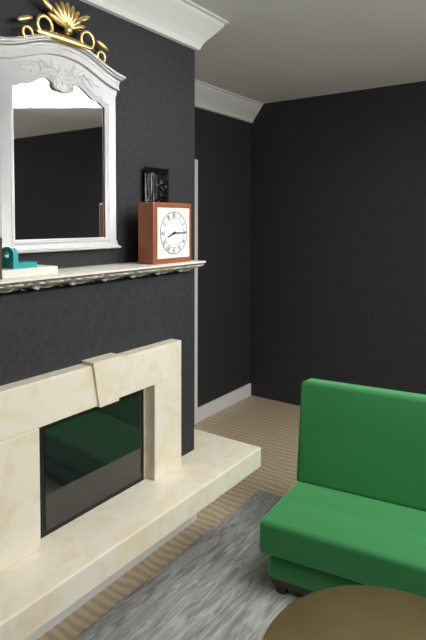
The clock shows h=8 m=15
